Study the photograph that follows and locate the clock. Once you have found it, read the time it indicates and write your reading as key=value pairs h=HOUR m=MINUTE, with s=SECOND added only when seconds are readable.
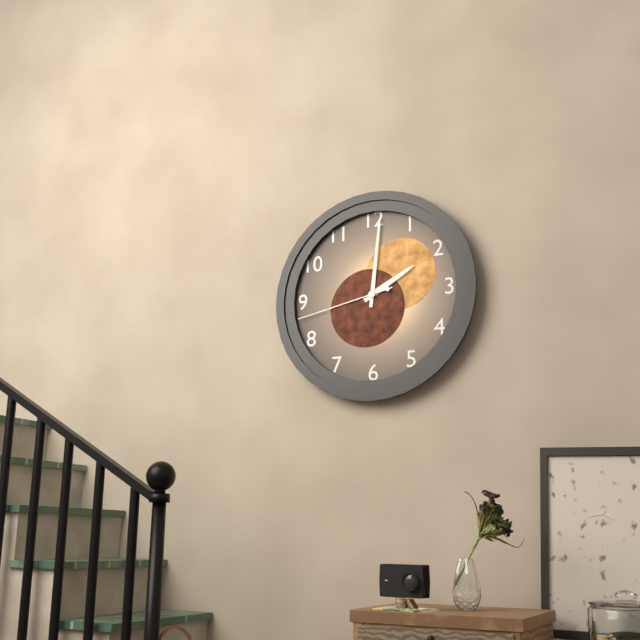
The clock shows h=2 m=1 s=43
